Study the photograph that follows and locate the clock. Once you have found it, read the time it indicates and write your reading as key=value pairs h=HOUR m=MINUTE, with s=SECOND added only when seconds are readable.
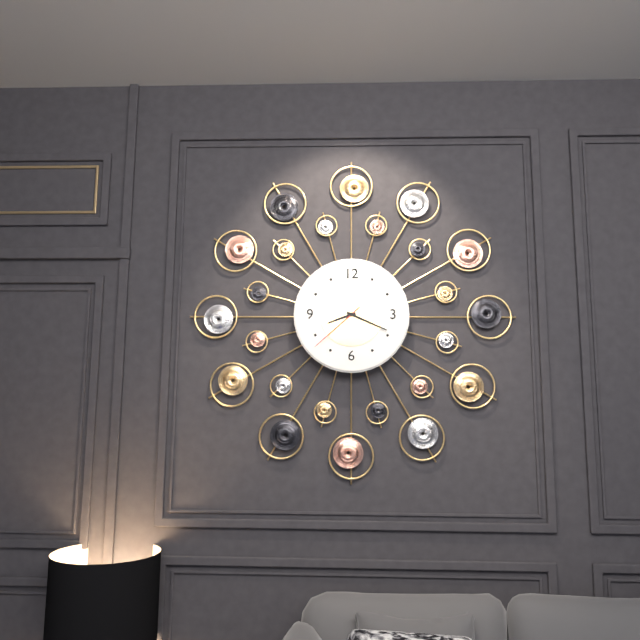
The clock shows h=8 m=19 s=38
